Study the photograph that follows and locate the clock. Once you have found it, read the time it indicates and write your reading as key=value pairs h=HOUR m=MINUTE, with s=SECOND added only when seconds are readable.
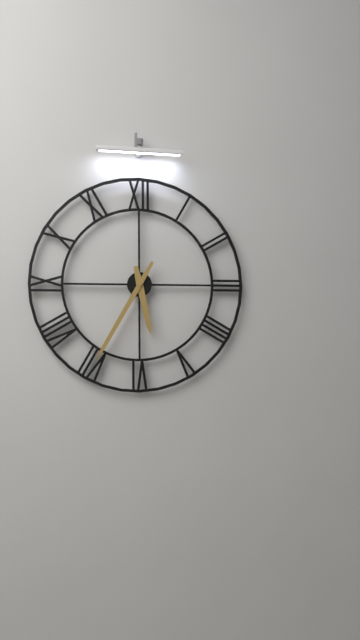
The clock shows h=5 m=35
